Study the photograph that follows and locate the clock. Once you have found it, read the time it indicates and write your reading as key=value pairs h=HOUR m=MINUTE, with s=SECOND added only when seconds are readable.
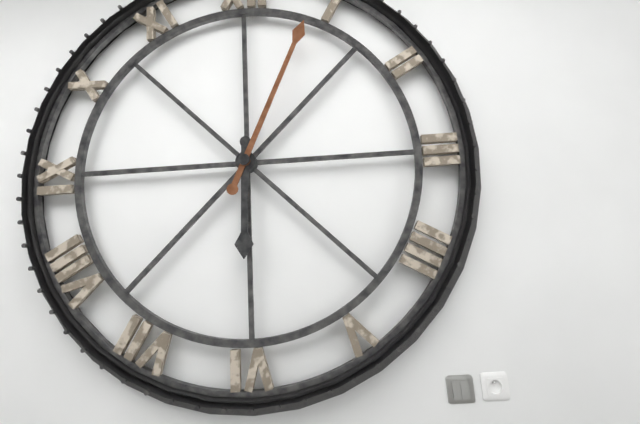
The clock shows h=6 m=4
